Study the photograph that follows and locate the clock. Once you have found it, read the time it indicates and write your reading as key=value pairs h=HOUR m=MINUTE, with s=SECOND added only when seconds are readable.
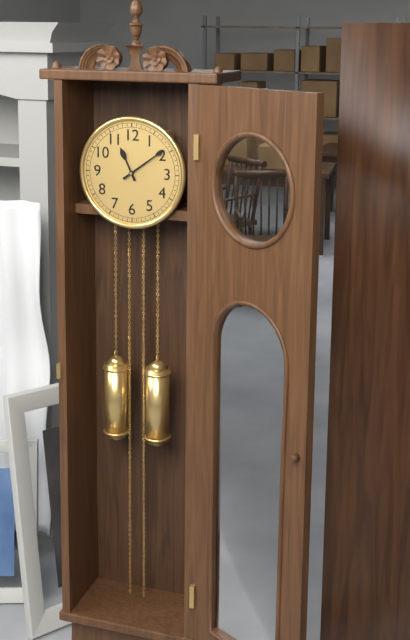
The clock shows h=11 m=9
